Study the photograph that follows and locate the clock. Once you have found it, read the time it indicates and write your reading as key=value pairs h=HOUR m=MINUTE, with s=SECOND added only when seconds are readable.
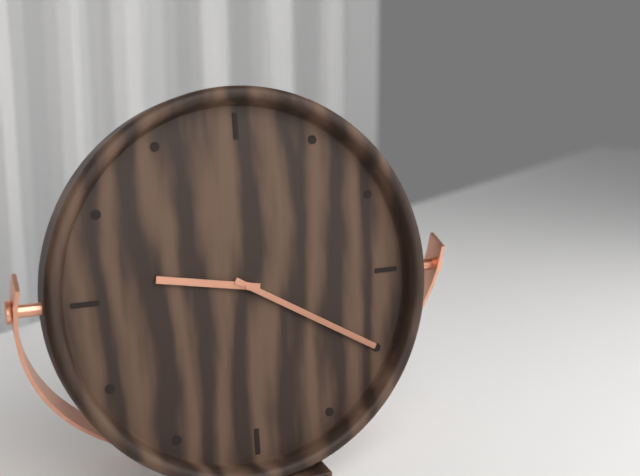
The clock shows h=9 m=20
